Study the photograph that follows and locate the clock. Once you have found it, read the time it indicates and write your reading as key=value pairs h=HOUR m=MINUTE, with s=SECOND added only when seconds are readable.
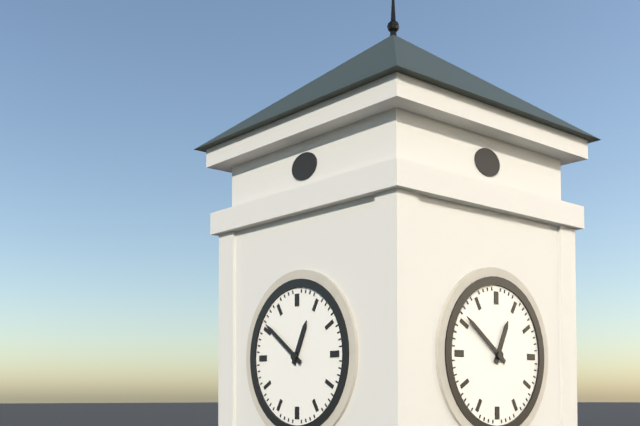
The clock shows h=12 m=51
